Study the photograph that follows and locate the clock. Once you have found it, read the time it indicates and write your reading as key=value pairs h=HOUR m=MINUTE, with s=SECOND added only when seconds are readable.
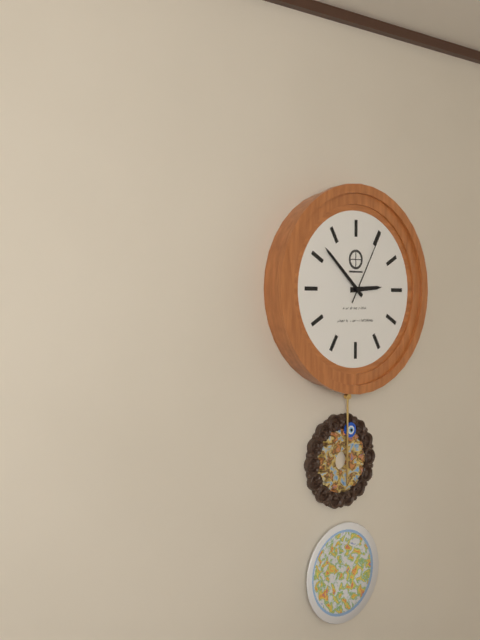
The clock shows h=2 m=52 s=5
